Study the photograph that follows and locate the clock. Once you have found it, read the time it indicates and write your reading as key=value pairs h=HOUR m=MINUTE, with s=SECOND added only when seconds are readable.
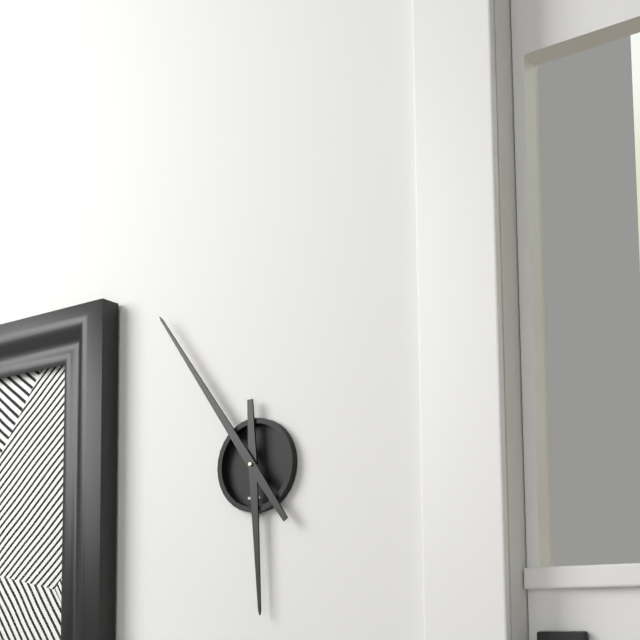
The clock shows h=5 m=54
